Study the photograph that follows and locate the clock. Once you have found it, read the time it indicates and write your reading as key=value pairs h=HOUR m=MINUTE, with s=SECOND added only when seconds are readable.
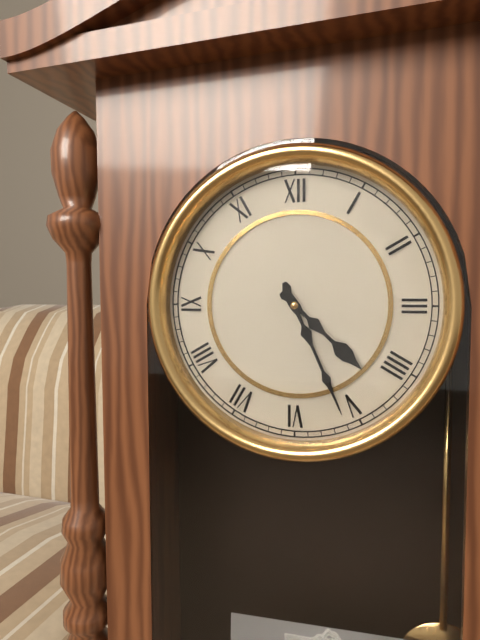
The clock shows h=4 m=26
